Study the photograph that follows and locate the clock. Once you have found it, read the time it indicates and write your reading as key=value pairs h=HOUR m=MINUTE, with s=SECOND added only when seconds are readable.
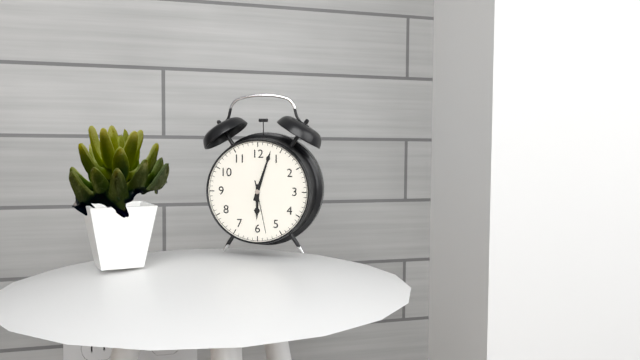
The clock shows h=6 m=3 s=28
